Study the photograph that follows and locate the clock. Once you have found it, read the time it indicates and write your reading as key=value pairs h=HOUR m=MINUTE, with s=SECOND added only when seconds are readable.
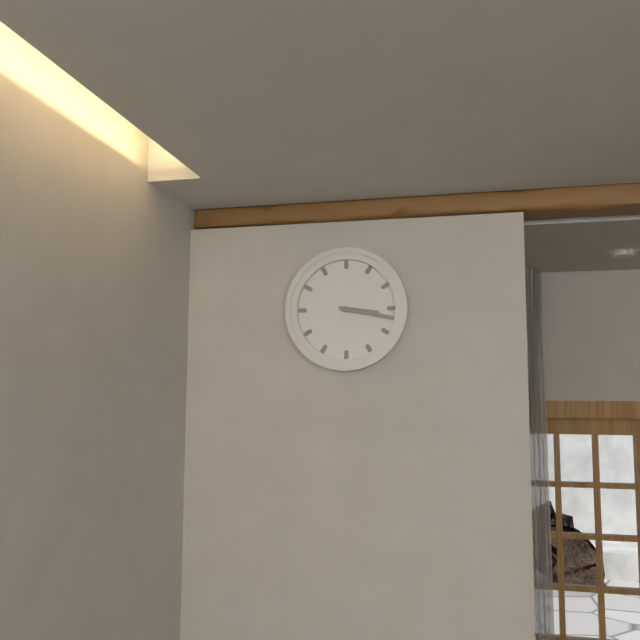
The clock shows h=3 m=17
